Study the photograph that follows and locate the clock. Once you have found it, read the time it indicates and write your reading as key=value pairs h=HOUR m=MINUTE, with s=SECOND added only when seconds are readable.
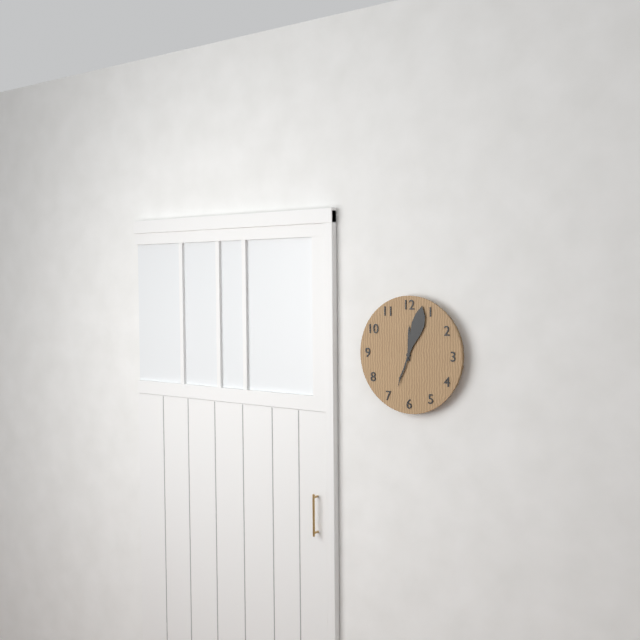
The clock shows h=12 m=3
